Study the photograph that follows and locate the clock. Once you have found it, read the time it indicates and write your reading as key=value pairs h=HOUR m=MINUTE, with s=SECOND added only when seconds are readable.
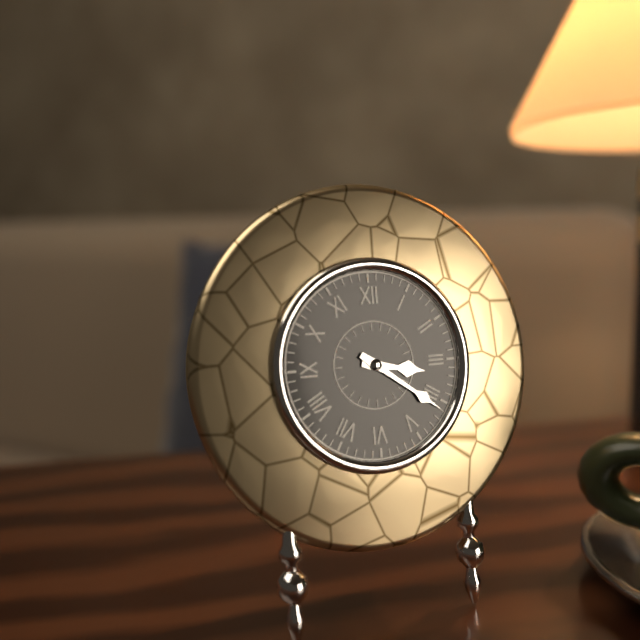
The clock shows h=3 m=21
